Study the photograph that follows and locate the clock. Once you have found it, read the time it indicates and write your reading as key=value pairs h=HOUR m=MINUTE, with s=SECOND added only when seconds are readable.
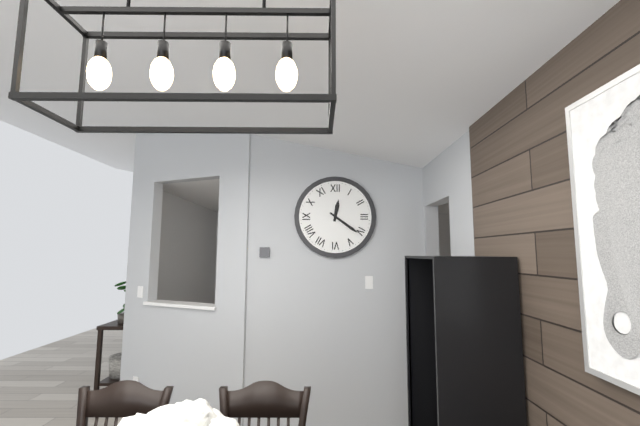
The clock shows h=12 m=21
